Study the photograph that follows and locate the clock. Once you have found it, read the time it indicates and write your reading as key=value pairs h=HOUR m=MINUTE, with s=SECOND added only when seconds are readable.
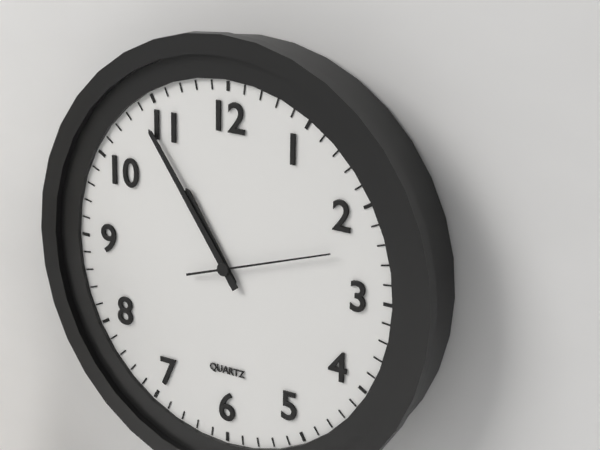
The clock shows h=10 m=54 s=12
